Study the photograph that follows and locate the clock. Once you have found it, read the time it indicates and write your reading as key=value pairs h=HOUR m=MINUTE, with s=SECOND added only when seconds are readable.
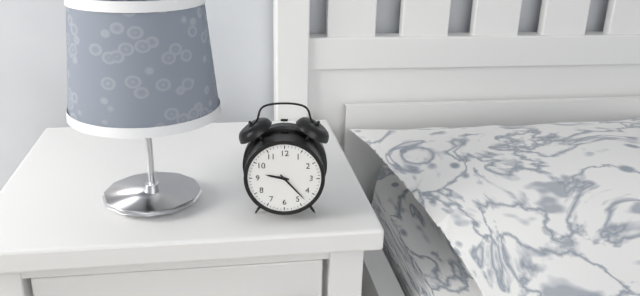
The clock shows h=9 m=23
